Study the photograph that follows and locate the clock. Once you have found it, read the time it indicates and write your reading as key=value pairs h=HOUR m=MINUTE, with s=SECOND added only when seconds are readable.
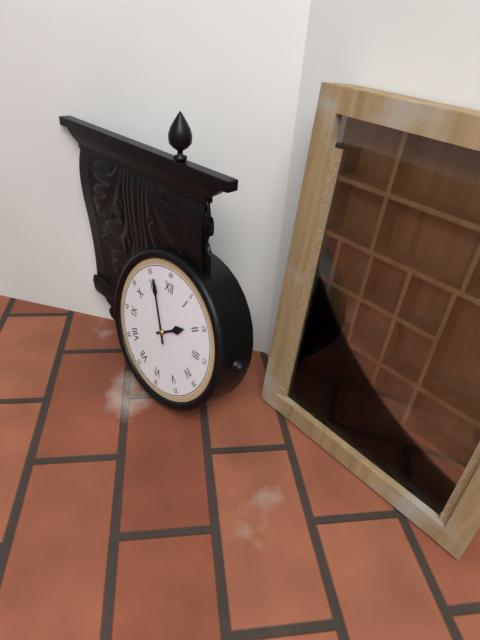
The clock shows h=1 m=56
